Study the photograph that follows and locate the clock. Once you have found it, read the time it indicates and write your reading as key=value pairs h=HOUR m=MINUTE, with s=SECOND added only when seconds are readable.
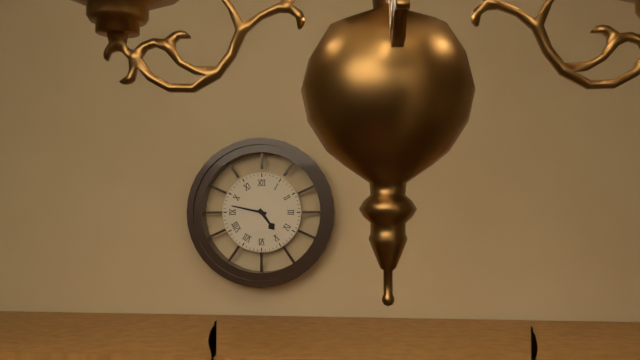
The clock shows h=4 m=47
